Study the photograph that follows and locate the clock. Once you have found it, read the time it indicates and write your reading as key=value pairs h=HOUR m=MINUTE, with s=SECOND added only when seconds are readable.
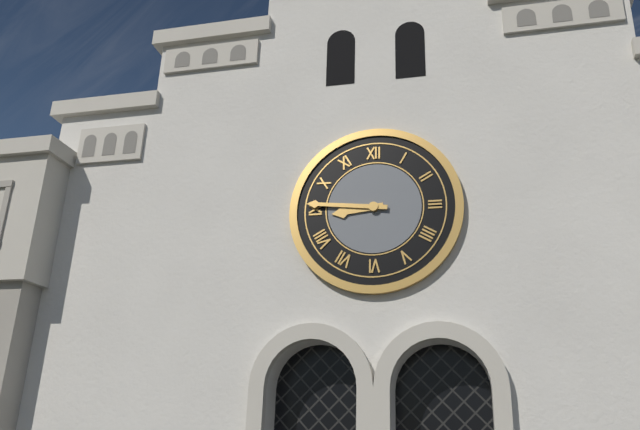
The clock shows h=8 m=46
